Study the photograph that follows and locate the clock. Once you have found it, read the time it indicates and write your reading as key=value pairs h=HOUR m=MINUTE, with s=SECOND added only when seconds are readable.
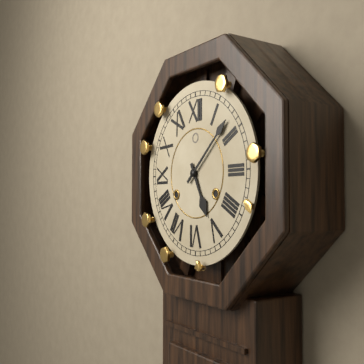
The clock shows h=5 m=8
